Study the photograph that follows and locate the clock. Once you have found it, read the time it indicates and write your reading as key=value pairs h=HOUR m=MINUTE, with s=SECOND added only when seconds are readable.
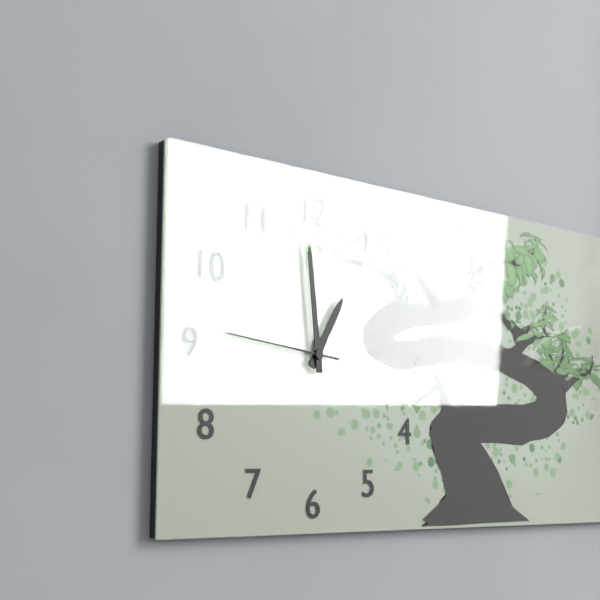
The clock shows h=12 m=59 s=46
